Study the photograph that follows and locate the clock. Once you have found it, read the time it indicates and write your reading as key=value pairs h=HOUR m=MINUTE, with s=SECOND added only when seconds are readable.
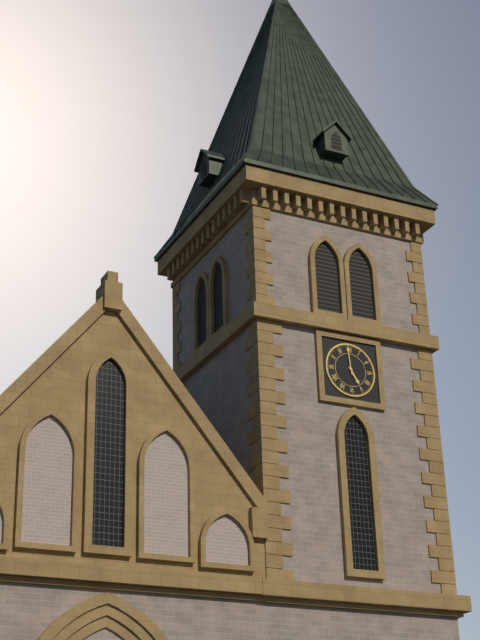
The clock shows h=4 m=59
